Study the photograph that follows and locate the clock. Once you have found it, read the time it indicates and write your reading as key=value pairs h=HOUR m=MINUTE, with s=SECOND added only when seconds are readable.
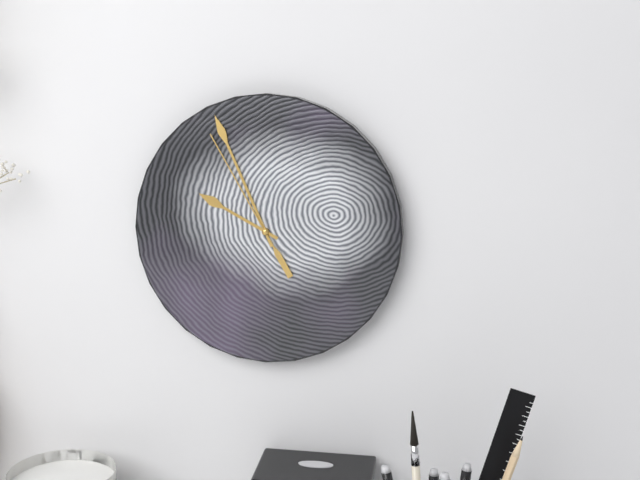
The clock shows h=9 m=56 s=55
